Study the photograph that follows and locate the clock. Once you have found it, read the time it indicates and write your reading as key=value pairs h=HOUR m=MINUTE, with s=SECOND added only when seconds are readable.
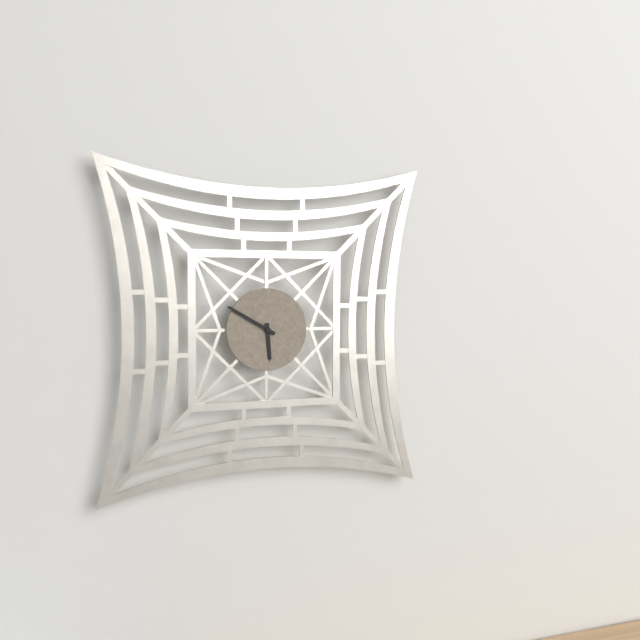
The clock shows h=5 m=50
